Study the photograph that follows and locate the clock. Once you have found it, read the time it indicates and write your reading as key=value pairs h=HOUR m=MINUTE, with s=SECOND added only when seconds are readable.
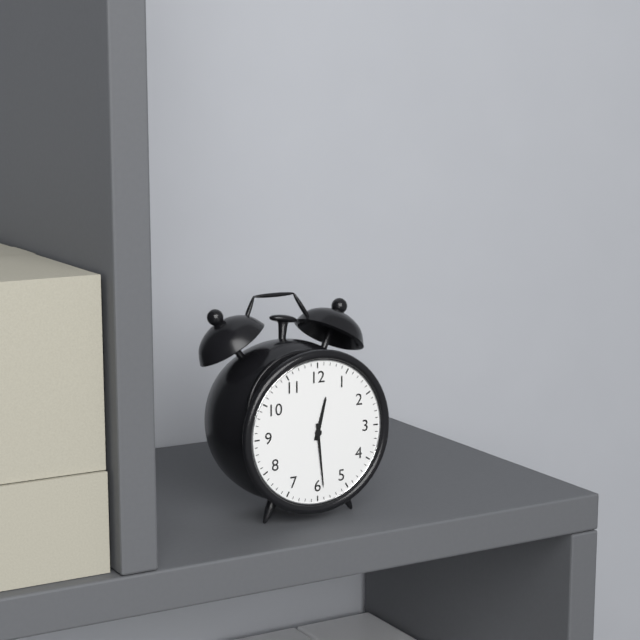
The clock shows h=12 m=29
